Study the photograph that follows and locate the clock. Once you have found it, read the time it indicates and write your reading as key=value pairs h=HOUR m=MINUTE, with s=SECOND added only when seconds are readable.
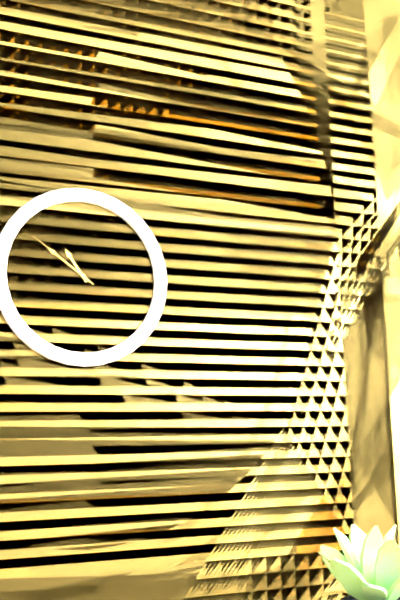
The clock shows h=10 m=51 s=51
